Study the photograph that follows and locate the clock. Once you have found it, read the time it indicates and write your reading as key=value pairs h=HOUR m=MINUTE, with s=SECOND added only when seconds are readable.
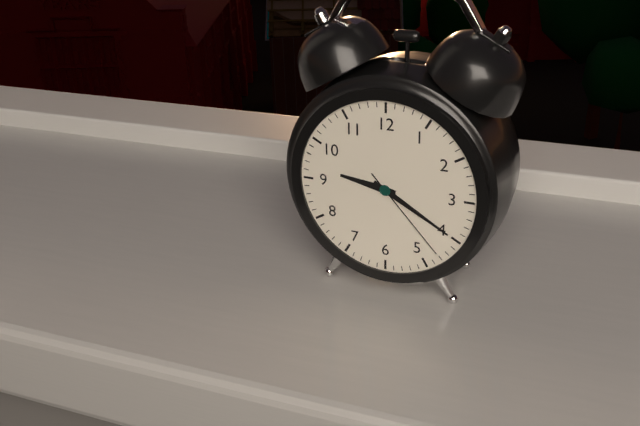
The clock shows h=9 m=20 s=23
